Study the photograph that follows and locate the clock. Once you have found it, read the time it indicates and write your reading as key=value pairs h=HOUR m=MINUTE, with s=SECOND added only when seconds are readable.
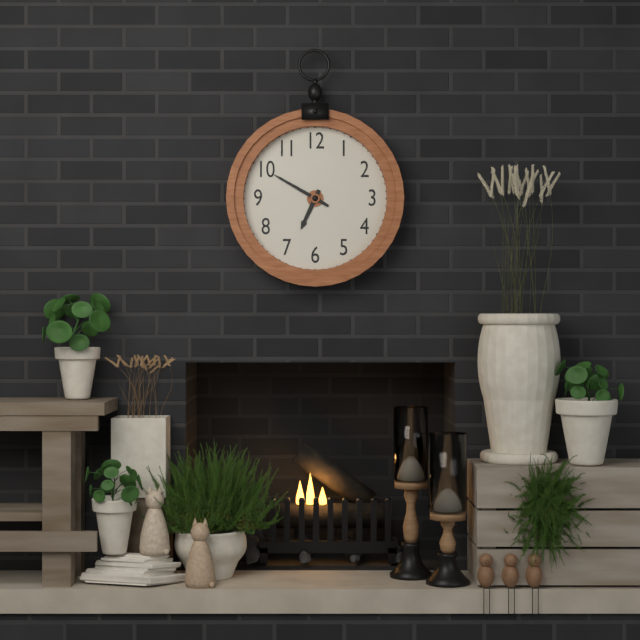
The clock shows h=6 m=50
